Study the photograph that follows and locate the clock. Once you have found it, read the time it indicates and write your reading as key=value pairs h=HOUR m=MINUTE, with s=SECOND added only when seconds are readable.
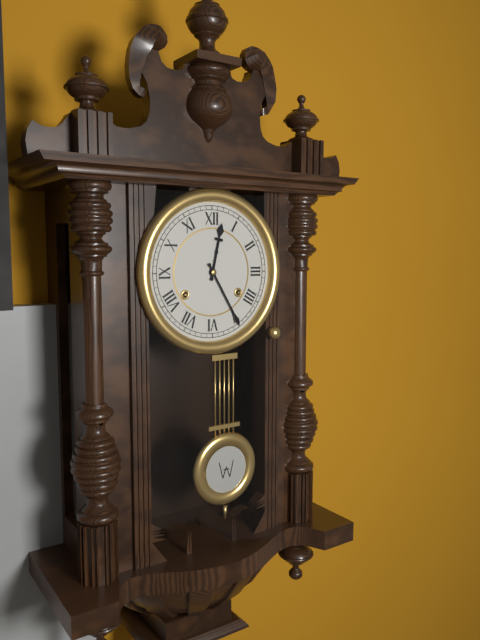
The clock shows h=12 m=25
